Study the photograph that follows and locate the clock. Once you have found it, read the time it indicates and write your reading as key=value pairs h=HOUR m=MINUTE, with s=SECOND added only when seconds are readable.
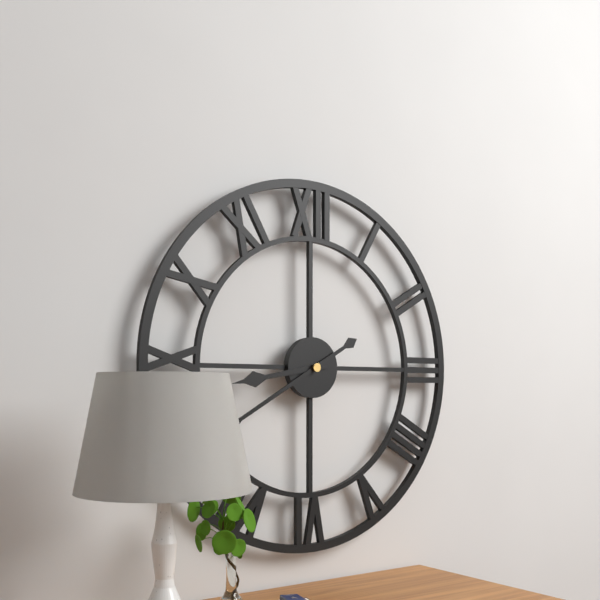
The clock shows h=8 m=40
